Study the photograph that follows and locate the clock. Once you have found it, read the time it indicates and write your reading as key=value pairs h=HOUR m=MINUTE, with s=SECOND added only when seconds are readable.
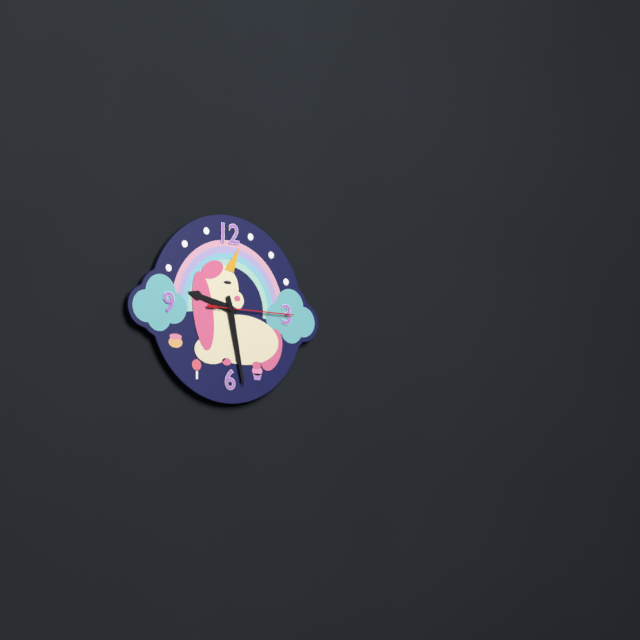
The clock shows h=9 m=28 s=15
